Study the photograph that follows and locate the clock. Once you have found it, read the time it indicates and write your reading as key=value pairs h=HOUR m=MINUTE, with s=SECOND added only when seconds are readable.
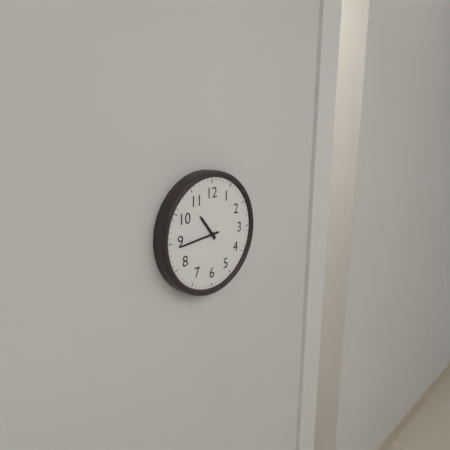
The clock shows h=10 m=44
